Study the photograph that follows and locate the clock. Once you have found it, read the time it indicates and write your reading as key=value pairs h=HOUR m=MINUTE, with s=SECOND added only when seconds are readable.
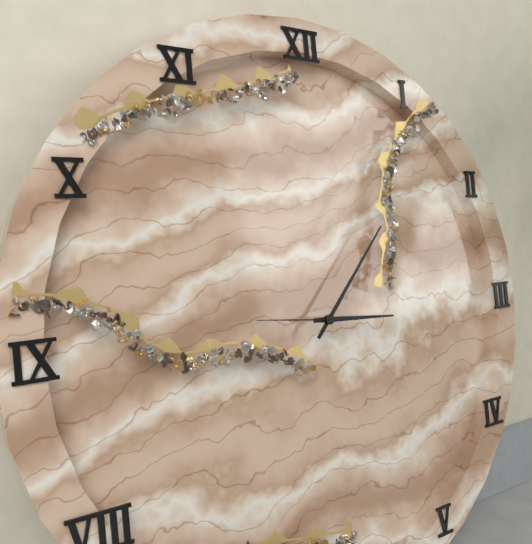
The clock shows h=3 m=7 s=46
